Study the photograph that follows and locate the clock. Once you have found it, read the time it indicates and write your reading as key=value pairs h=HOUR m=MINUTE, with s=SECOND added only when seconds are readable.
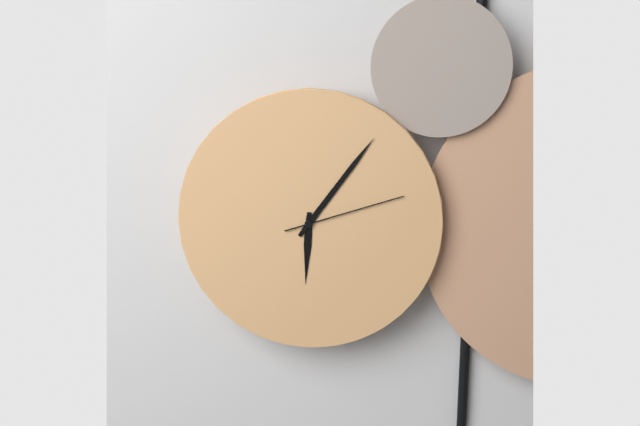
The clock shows h=6 m=6 s=12
